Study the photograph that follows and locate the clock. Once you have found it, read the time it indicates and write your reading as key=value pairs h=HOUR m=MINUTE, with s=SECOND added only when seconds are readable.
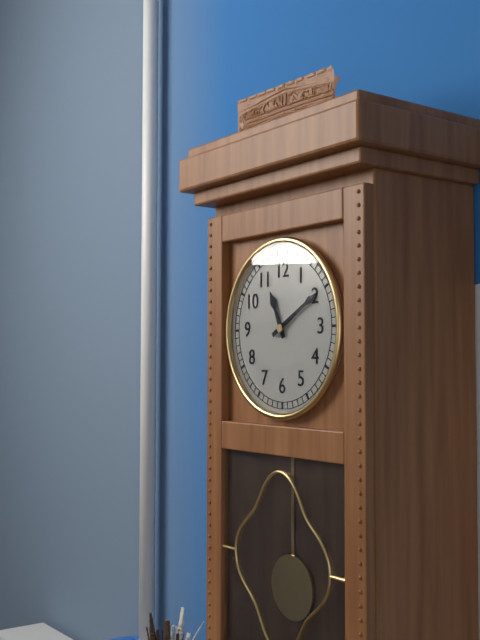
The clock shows h=11 m=10
